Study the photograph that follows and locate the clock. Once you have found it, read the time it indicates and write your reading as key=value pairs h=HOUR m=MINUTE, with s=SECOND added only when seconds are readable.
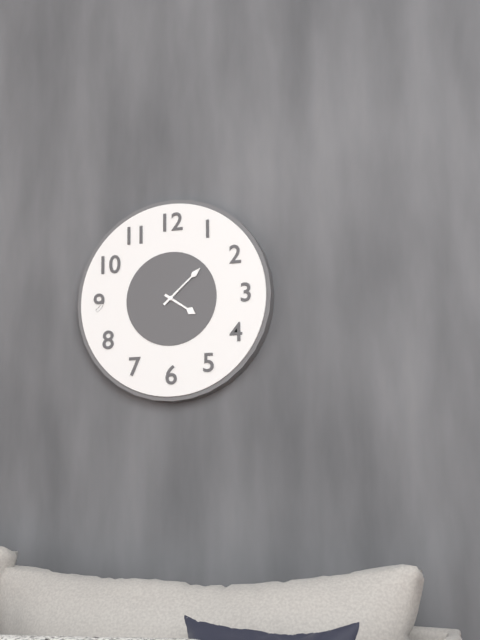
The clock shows h=4 m=8
